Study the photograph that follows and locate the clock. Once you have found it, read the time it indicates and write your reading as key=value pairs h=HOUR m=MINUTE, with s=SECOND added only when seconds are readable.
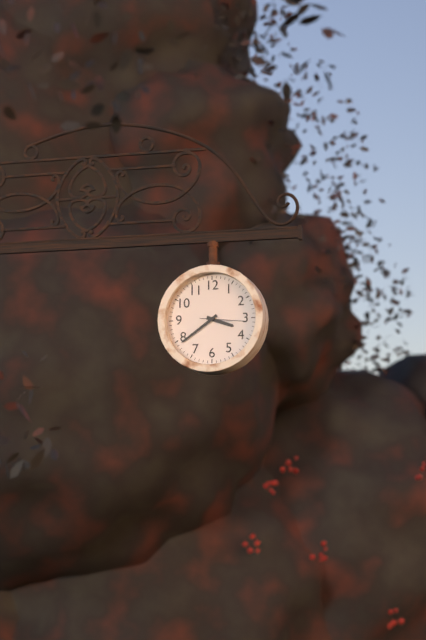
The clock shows h=3 m=39
